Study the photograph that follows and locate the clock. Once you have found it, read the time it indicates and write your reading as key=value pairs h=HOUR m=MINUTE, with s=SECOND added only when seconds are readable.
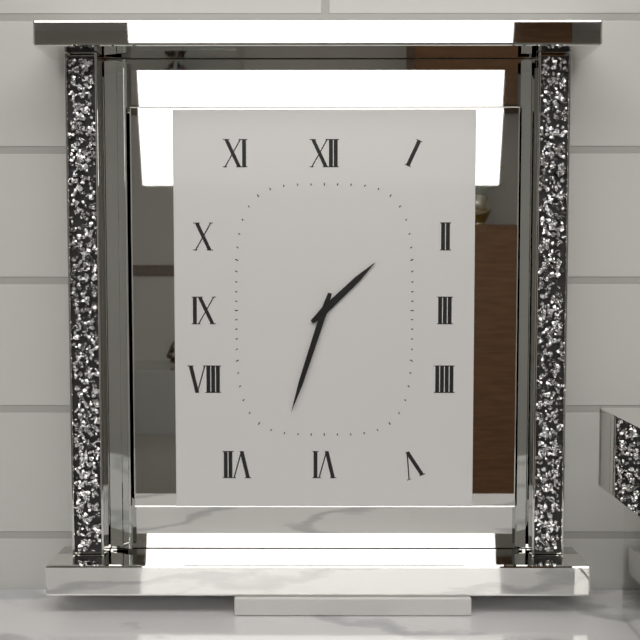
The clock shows h=1 m=33
